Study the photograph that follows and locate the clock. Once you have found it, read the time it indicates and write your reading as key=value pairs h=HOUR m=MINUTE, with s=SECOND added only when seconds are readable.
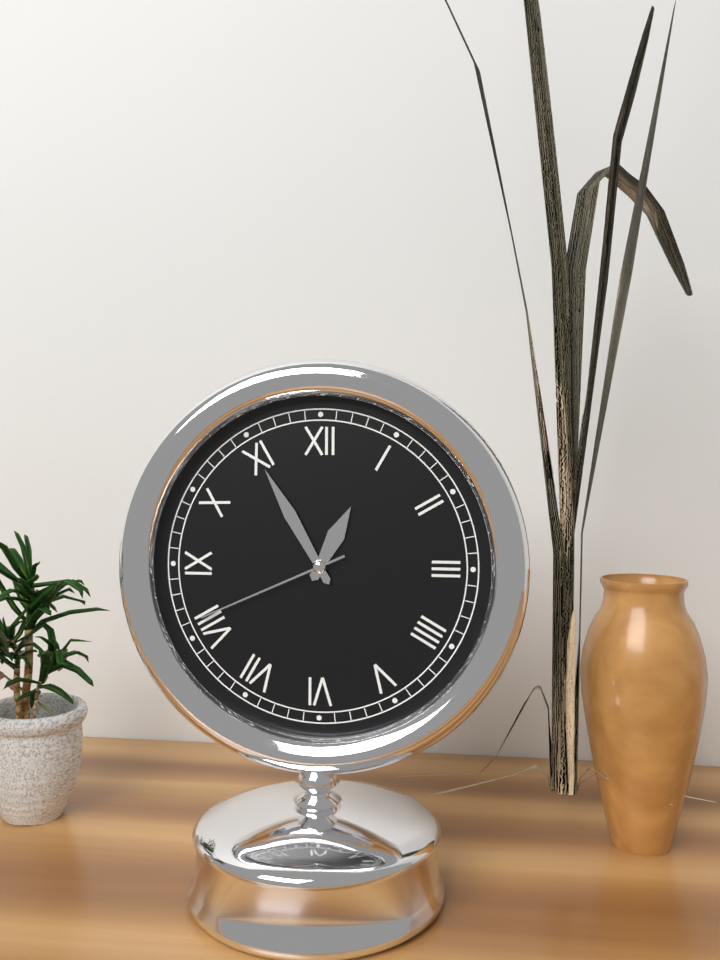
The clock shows h=12 m=55 s=41
